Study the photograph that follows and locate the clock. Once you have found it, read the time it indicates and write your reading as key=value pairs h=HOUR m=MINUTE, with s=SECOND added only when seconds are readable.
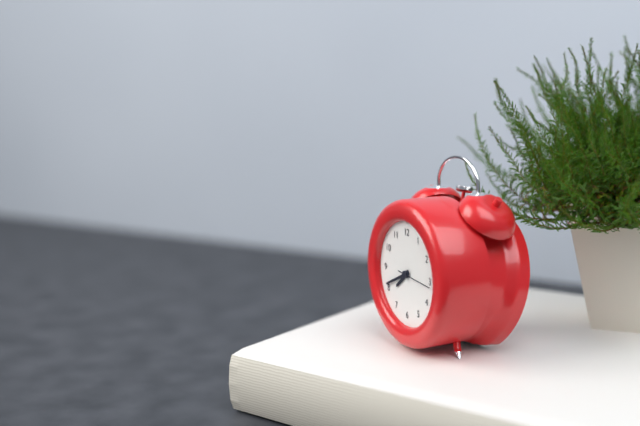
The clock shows h=7 m=41
